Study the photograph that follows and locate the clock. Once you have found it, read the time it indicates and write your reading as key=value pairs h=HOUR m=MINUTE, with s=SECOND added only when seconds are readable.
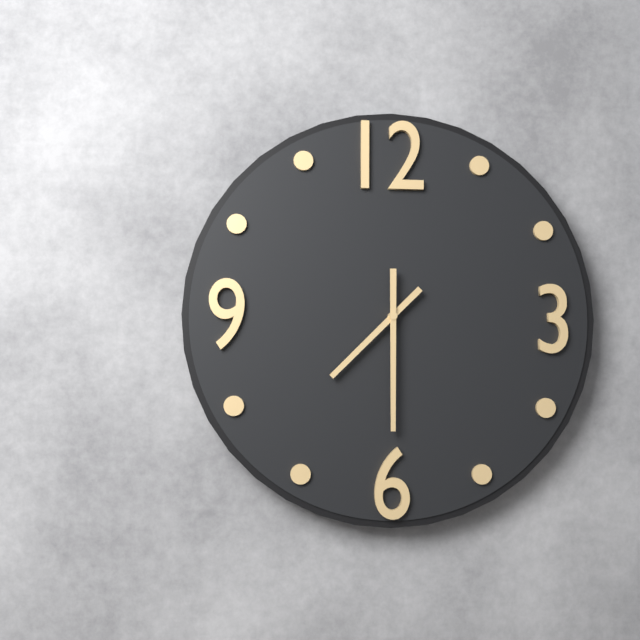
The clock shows h=7 m=30
